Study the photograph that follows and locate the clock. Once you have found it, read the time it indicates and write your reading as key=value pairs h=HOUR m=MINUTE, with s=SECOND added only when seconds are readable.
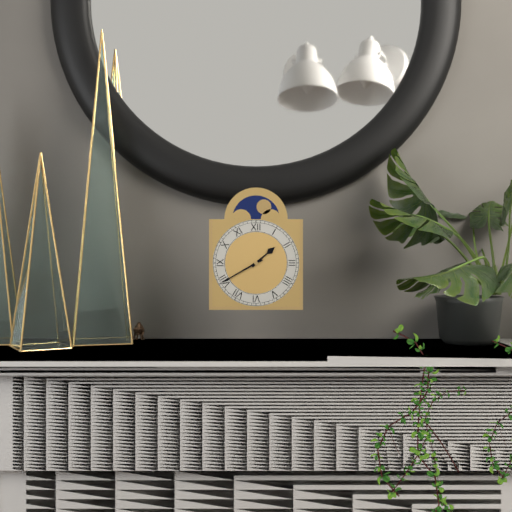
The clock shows h=1 m=40
